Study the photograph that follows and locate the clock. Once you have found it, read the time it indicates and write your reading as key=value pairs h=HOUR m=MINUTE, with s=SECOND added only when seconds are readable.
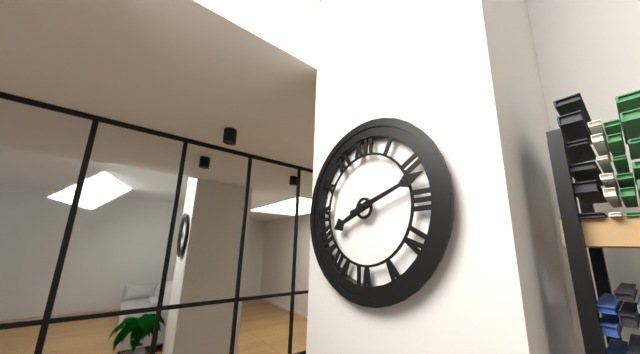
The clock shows h=8 m=12
